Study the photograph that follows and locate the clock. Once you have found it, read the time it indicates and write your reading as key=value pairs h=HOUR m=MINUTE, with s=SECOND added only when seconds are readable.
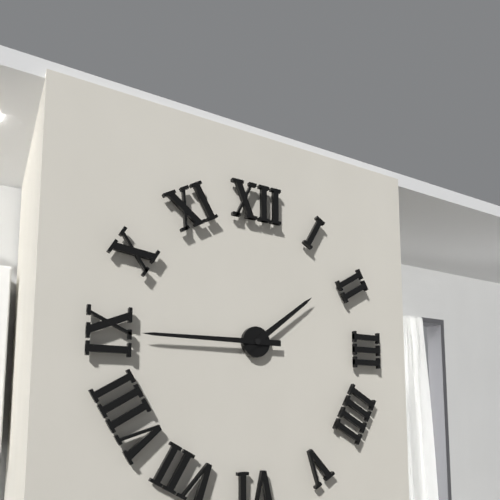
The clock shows h=1 m=45
